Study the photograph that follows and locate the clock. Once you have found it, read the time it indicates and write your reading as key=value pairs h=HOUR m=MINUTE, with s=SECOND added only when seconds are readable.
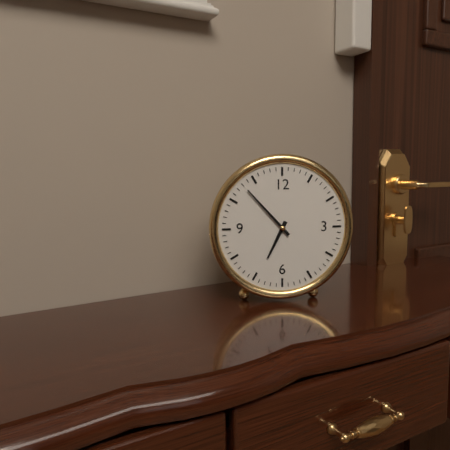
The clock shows h=6 m=53
